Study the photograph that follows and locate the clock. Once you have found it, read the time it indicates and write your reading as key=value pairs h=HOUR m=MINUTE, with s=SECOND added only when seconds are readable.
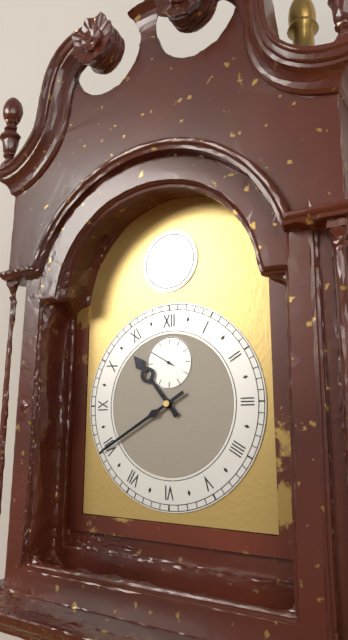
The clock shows h=10 m=40
